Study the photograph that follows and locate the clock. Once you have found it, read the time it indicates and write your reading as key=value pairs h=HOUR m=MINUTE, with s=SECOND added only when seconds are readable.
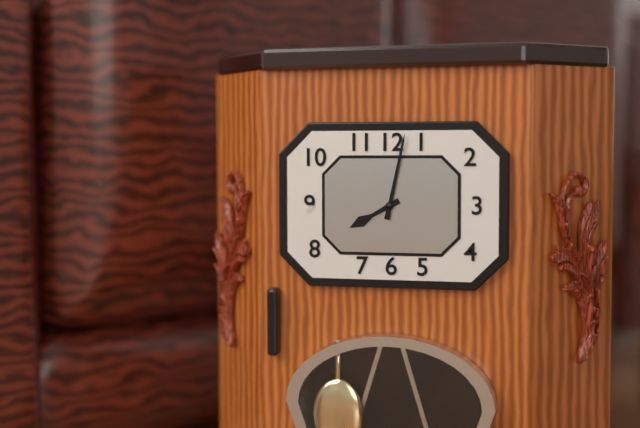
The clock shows h=8 m=2
